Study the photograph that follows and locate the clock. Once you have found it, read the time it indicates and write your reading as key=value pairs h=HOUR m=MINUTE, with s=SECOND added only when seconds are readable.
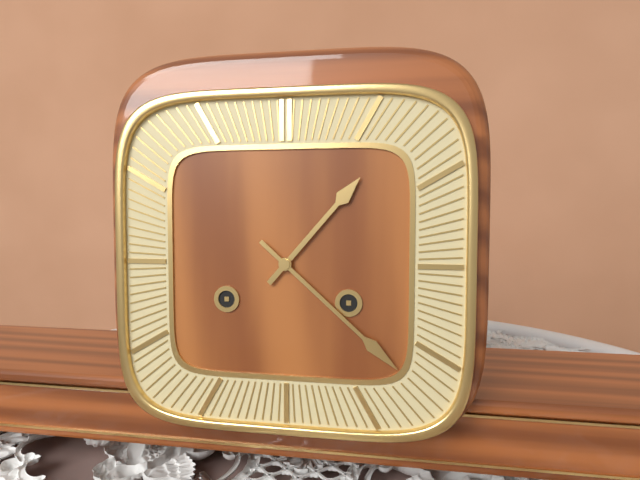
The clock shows h=1 m=22
